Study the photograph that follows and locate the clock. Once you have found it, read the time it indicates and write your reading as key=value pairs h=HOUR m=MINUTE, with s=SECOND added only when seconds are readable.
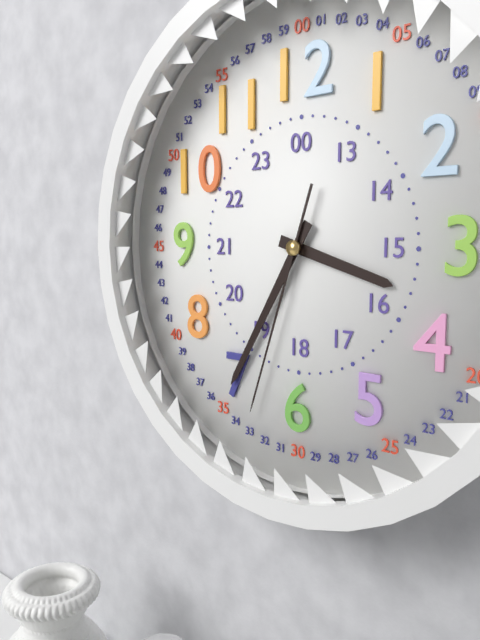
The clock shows h=3 m=35 s=33
